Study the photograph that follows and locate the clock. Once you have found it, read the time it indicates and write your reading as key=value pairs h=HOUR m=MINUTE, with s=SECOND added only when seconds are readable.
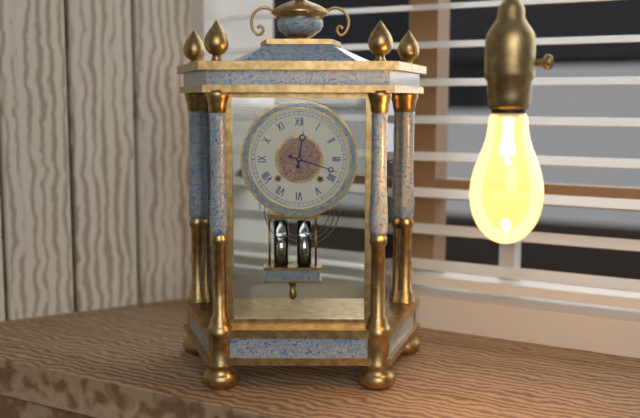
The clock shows h=12 m=18
